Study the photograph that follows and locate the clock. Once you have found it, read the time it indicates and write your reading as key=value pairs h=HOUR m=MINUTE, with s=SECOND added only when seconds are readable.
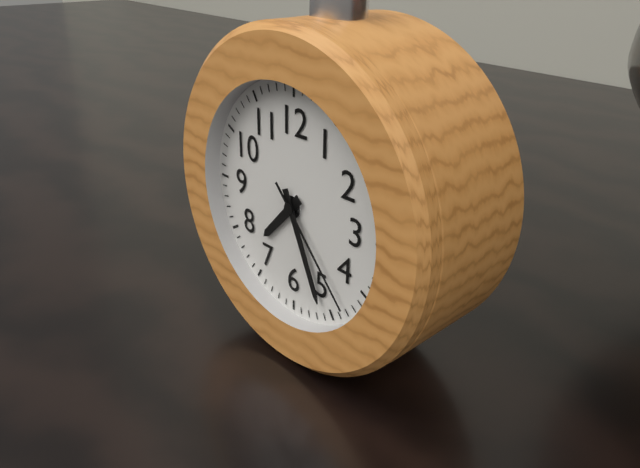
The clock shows h=7 m=26 s=23
